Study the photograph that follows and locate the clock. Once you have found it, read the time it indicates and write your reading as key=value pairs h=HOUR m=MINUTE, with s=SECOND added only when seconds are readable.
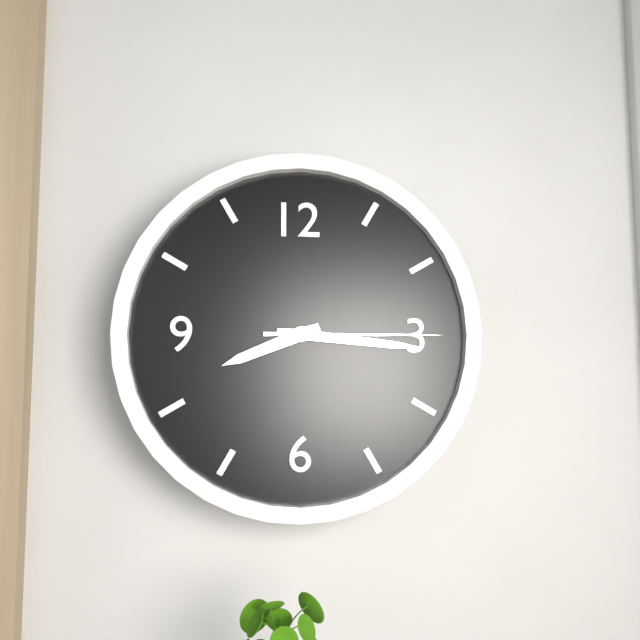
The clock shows h=8 m=16 s=15
